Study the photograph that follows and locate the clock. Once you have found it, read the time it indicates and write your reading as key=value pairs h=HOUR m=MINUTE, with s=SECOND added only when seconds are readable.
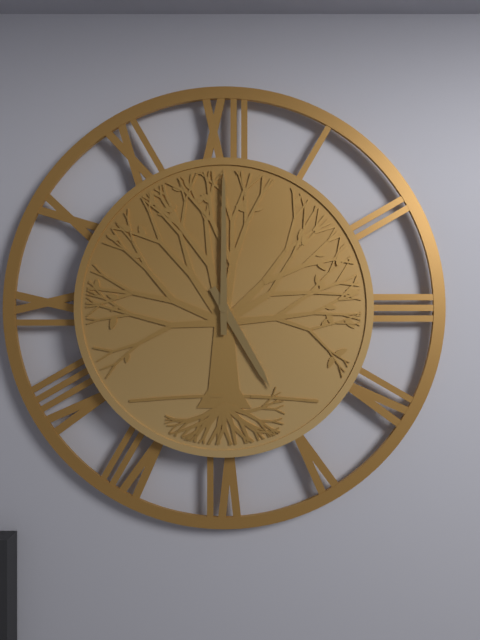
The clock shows h=5 m=0
